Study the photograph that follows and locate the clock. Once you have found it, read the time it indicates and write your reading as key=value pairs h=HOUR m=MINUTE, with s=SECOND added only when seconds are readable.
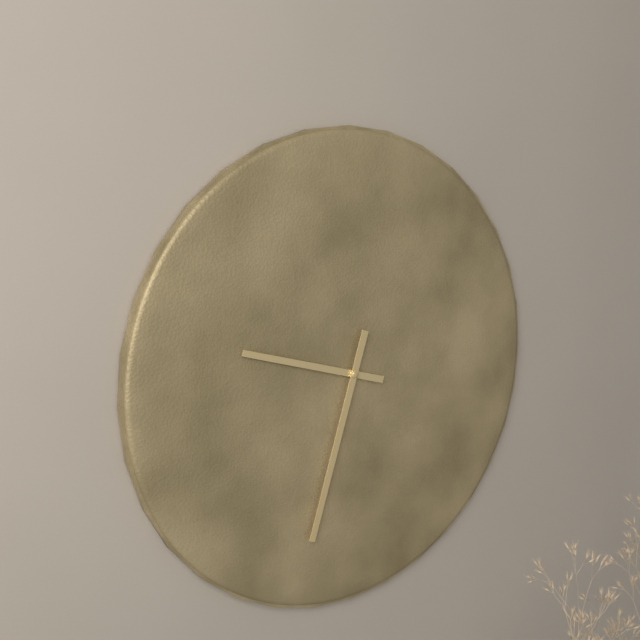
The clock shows h=9 m=33
